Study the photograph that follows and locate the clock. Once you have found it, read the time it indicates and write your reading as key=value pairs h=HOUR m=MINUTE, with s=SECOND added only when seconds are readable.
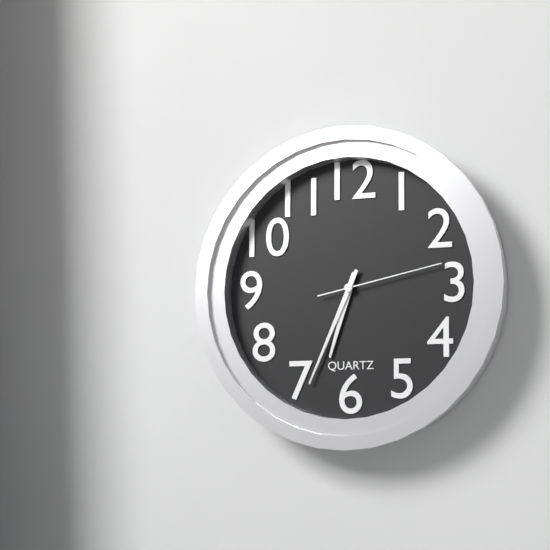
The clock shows h=6 m=34 s=13
